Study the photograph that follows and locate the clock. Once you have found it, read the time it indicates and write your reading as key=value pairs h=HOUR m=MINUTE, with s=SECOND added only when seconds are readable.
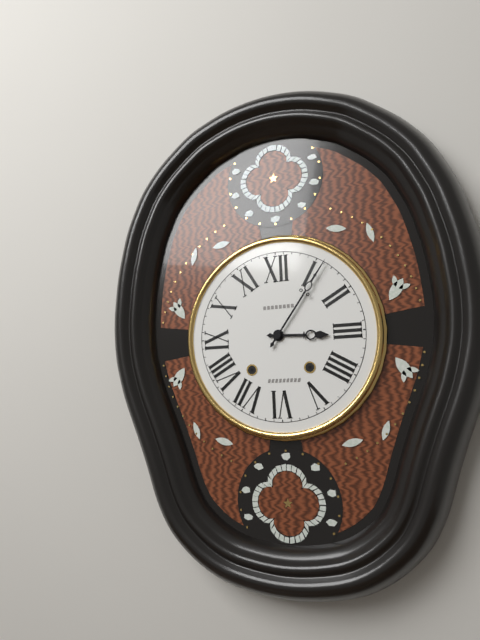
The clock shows h=3 m=6
